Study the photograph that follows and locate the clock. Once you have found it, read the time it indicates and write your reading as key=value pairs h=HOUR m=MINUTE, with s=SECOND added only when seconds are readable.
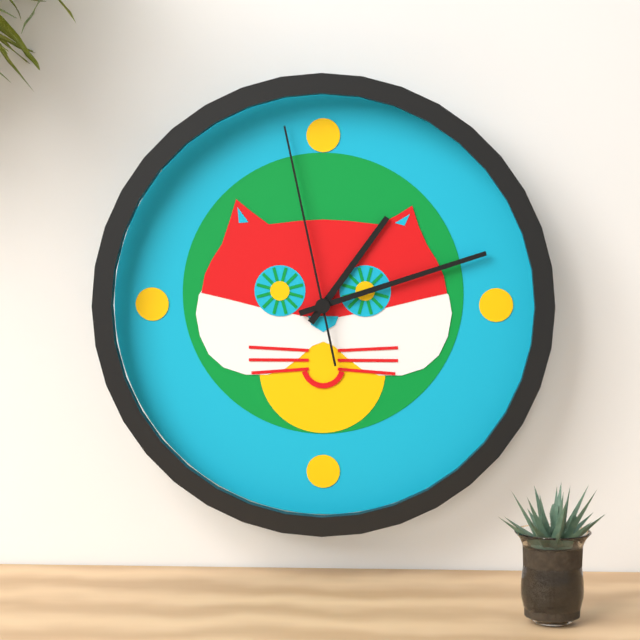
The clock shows h=1 m=12 s=58
